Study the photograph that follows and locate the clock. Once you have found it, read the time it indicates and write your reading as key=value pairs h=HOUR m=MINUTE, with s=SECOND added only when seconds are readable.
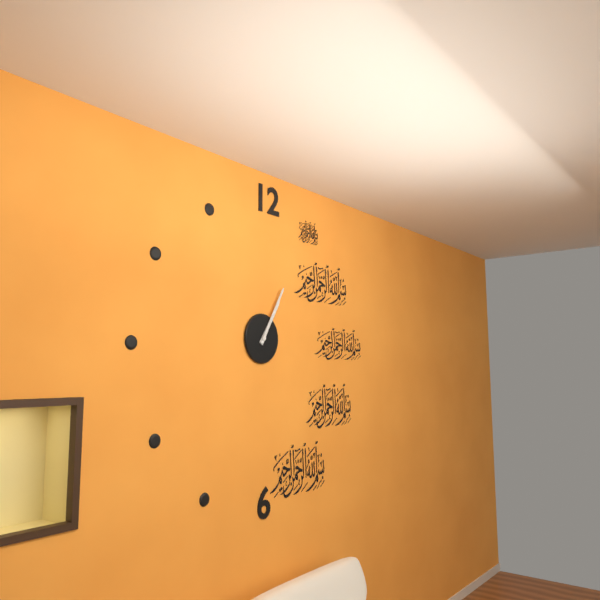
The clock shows h=1 m=5
